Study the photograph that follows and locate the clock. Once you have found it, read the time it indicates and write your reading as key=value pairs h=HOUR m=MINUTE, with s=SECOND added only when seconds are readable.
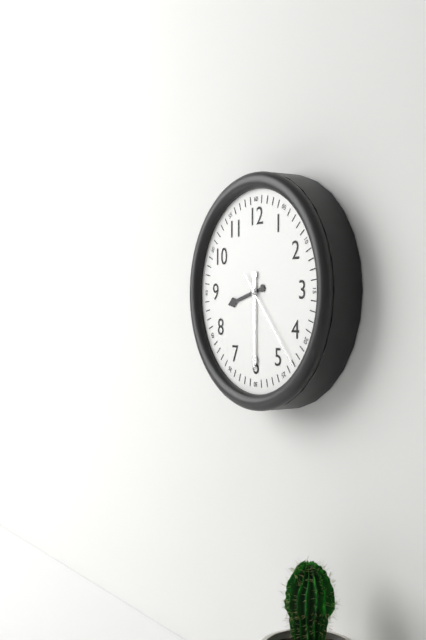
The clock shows h=8 m=30 s=23
